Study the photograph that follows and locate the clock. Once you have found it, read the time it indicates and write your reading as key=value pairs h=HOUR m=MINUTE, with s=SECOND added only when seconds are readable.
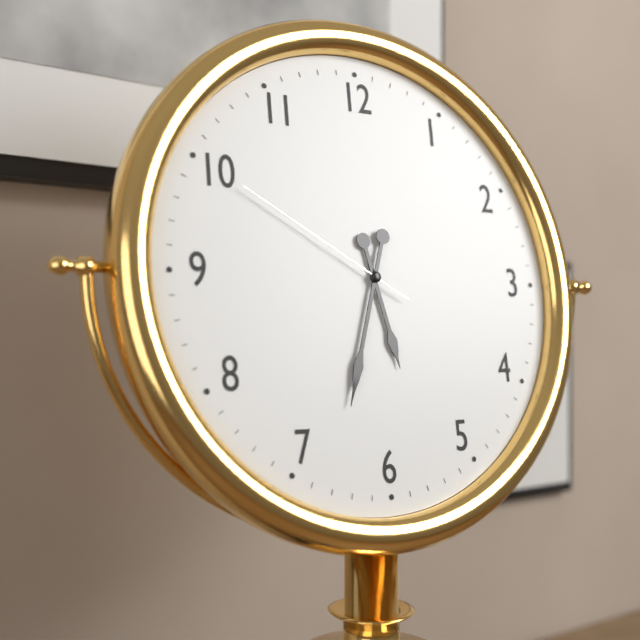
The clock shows h=5 m=33 s=50
